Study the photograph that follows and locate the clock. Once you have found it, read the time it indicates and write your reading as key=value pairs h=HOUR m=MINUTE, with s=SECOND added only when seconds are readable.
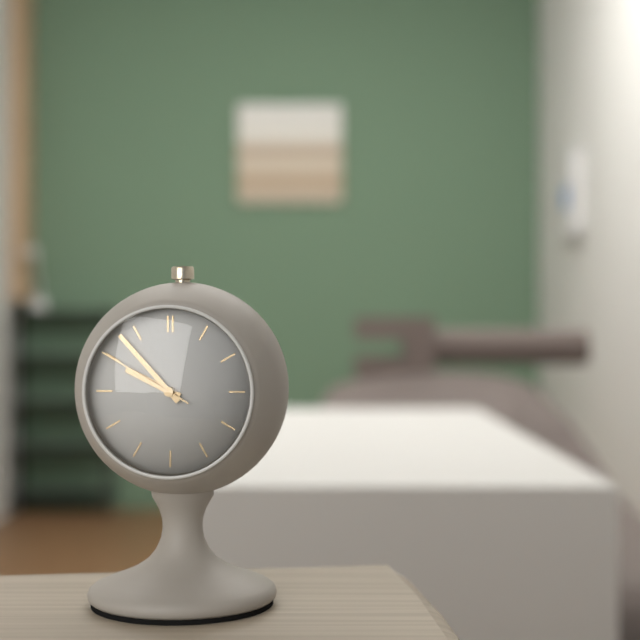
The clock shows h=9 m=53 s=50
